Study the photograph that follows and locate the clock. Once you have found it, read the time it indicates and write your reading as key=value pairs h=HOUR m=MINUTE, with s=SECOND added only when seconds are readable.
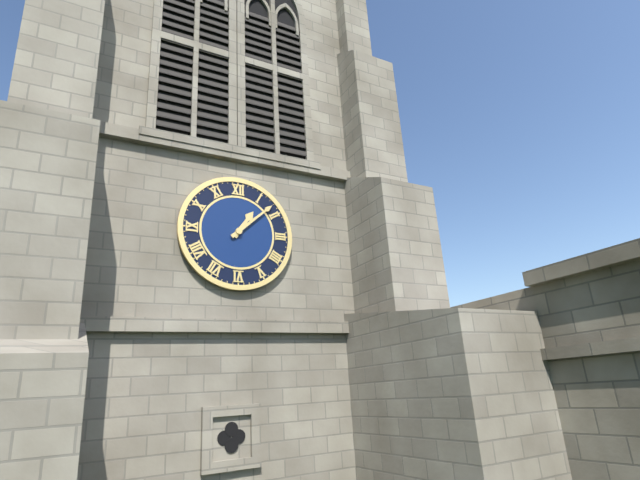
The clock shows h=1 m=8
